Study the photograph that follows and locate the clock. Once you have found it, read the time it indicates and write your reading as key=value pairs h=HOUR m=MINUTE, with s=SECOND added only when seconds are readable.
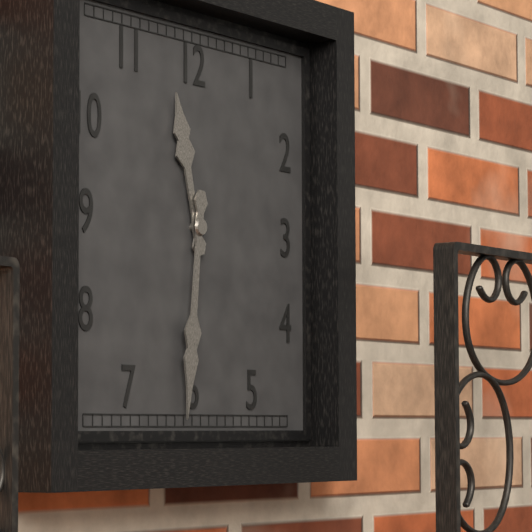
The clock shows h=11 m=31
